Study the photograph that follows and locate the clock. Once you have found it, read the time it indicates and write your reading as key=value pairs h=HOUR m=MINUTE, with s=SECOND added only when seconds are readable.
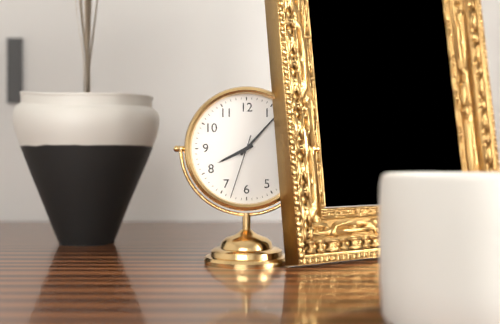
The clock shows h=8 m=7 s=33
